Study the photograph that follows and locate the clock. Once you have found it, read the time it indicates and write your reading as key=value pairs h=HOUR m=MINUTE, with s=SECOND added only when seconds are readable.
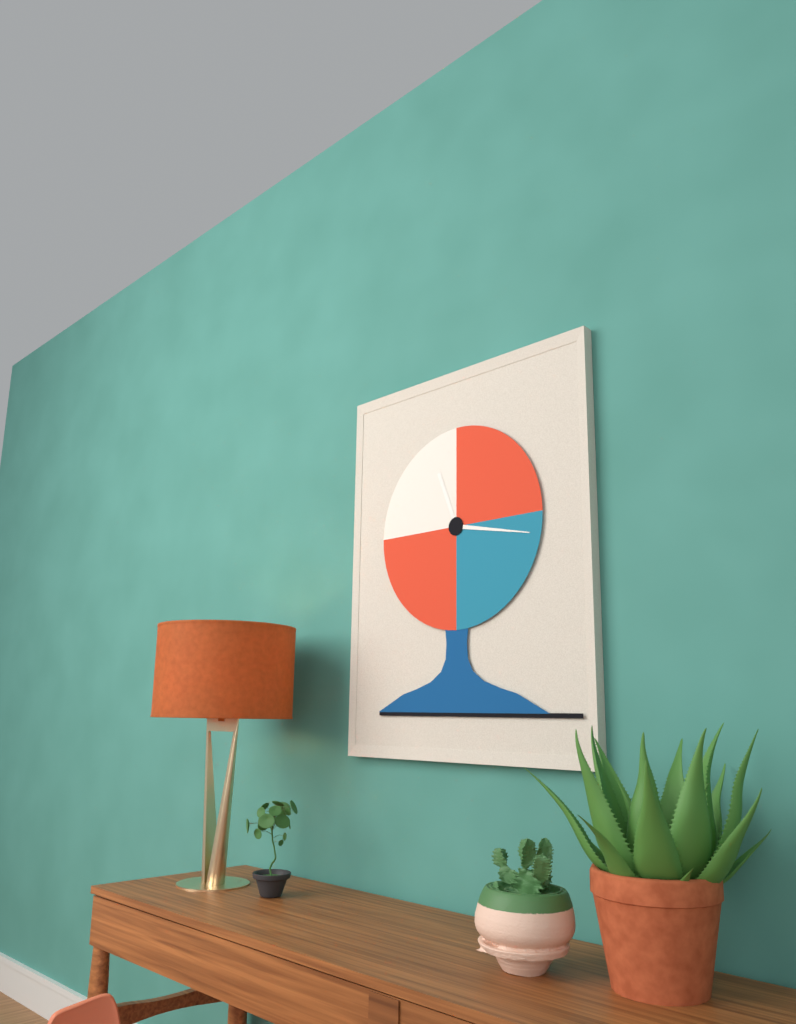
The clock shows h=11 m=17
